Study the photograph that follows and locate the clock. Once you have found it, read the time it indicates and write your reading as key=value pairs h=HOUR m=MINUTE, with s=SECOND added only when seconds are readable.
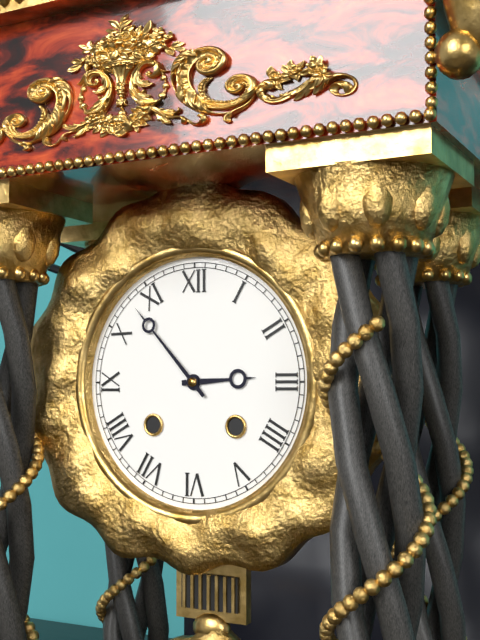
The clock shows h=2 m=53
